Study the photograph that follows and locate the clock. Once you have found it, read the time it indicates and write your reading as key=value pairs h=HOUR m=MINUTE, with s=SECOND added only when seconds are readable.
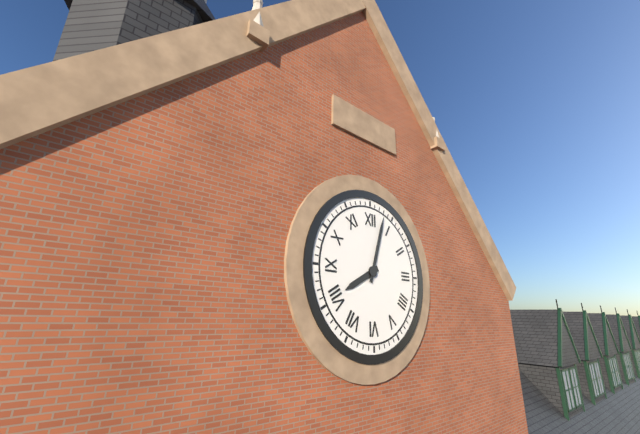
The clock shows h=8 m=3
